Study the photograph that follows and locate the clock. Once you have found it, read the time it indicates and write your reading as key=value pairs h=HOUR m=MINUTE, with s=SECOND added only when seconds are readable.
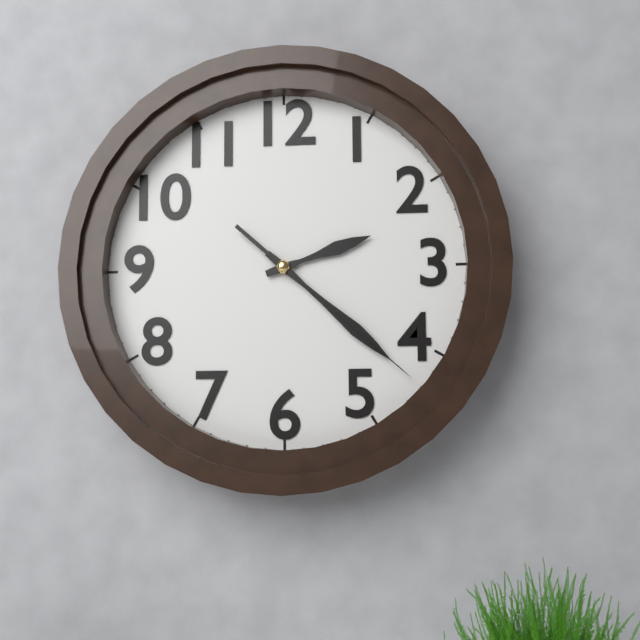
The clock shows h=2 m=22 s=22
